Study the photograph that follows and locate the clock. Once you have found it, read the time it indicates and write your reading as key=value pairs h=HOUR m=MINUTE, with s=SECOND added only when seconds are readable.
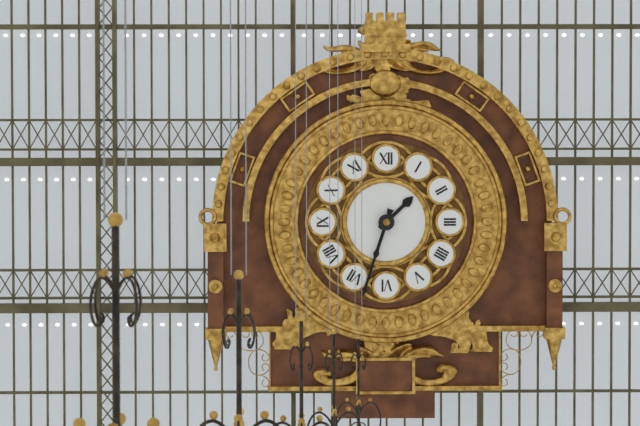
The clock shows h=1 m=33
